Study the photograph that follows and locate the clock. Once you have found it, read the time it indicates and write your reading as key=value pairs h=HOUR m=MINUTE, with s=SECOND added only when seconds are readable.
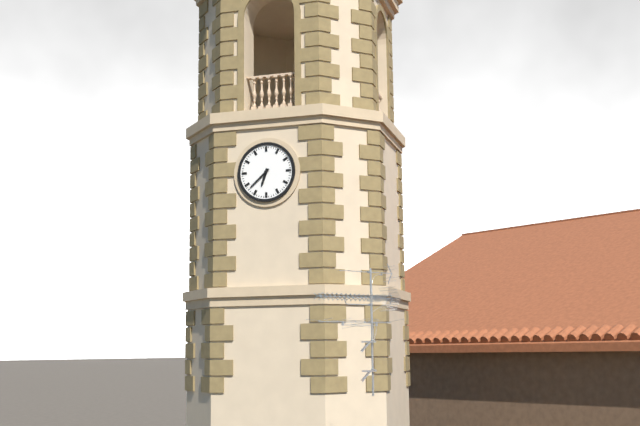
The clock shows h=6 m=38
